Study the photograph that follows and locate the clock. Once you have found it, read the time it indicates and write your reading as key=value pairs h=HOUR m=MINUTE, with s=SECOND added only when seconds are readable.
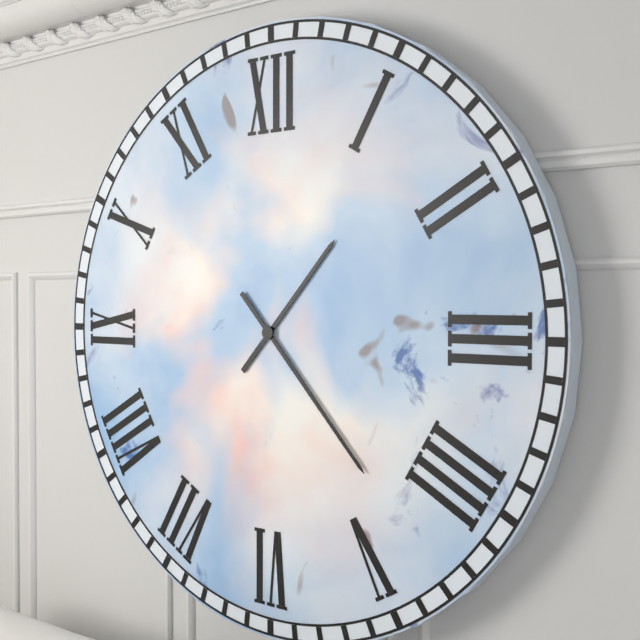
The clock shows h=1 m=23
